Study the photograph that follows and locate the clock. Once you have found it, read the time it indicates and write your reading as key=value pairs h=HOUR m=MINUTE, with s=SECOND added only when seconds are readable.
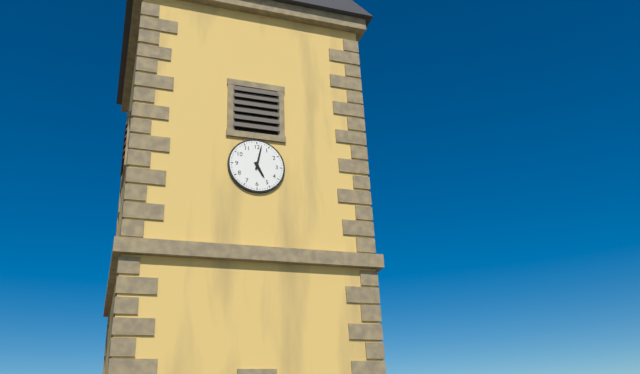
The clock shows h=5 m=2
